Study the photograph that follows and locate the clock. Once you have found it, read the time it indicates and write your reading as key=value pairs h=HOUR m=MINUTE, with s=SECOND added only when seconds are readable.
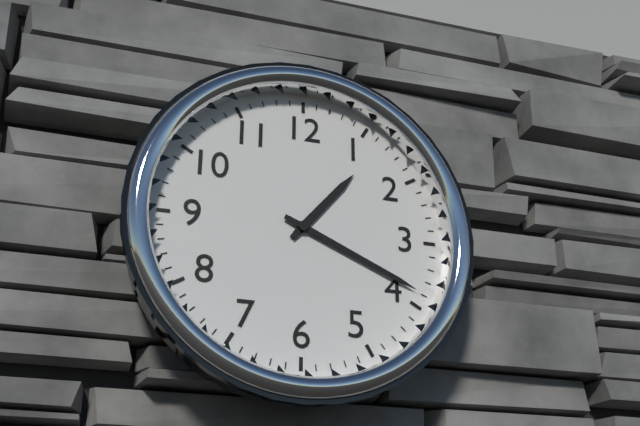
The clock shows h=1 m=19
